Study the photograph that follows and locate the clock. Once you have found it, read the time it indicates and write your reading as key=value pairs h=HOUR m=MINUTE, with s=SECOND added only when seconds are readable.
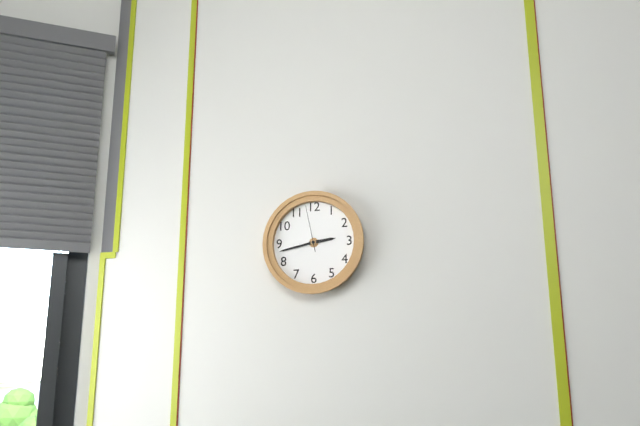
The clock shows h=2 m=43
